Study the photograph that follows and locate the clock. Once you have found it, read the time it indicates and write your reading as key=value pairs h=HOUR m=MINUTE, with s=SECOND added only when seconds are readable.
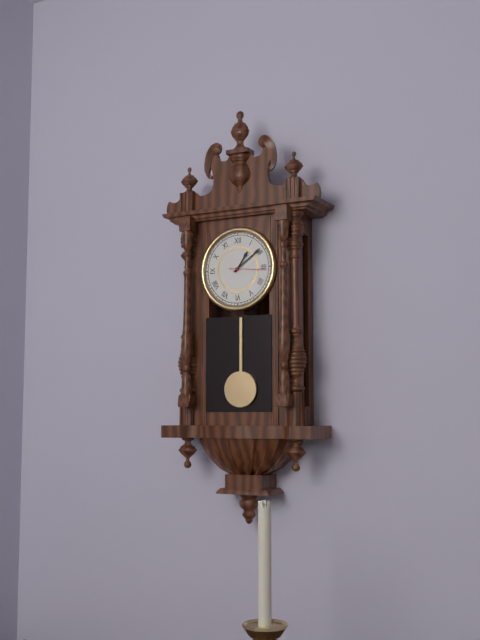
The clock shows h=1 m=9
